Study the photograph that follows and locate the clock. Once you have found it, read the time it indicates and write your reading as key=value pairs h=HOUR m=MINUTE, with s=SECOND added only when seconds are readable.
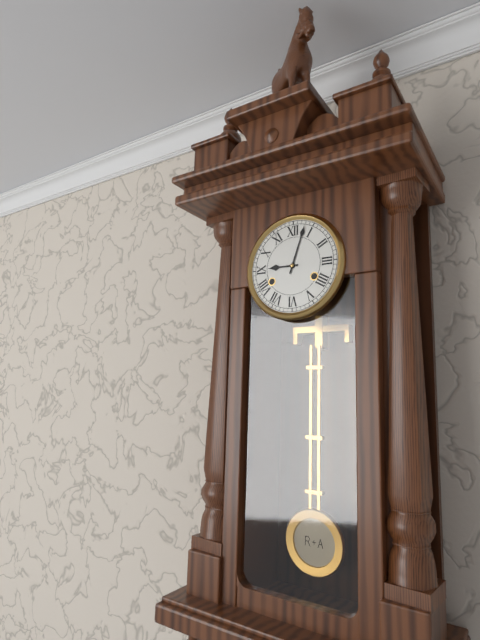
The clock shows h=9 m=3
